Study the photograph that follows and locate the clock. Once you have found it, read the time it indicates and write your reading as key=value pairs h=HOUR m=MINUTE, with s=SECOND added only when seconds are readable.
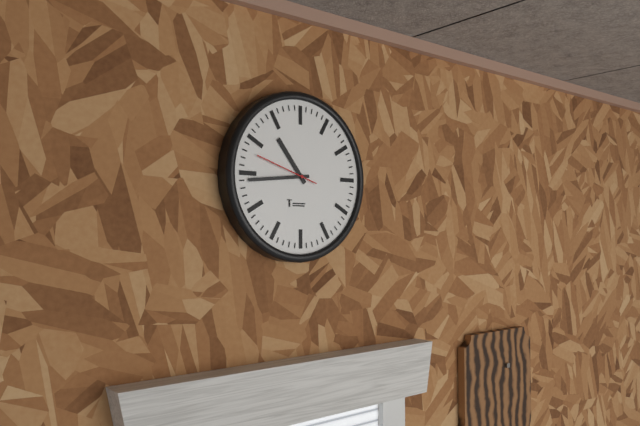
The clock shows h=10 m=44 s=48
